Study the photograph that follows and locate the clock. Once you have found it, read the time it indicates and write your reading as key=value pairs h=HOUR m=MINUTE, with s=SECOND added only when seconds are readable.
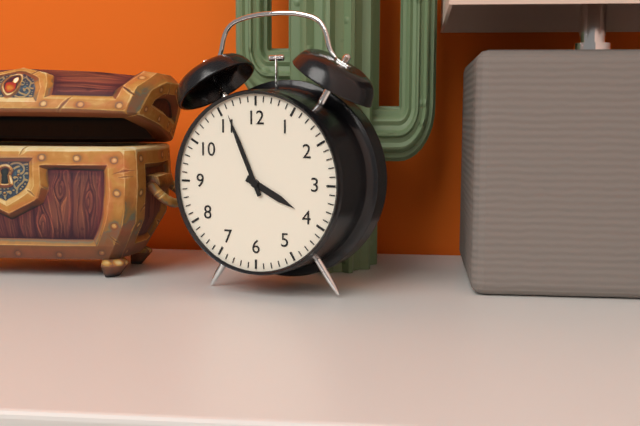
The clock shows h=3 m=56
